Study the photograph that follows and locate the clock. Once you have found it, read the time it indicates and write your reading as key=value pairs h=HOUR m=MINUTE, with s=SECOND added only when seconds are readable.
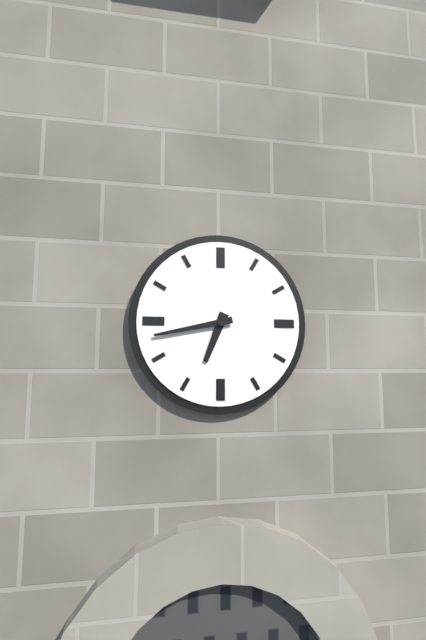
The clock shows h=6 m=43
